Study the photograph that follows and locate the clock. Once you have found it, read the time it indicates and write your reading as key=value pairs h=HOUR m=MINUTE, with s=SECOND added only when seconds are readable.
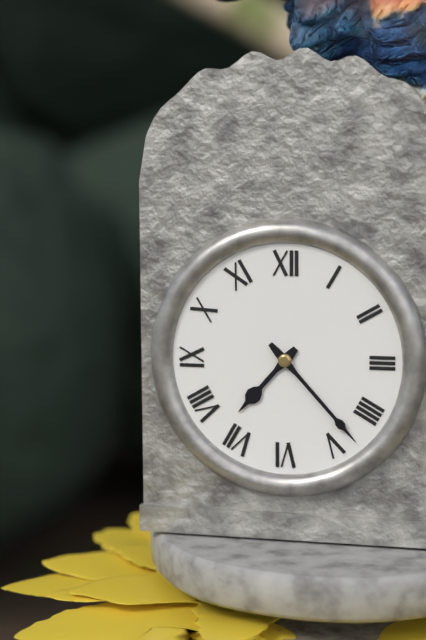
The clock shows h=7 m=23
